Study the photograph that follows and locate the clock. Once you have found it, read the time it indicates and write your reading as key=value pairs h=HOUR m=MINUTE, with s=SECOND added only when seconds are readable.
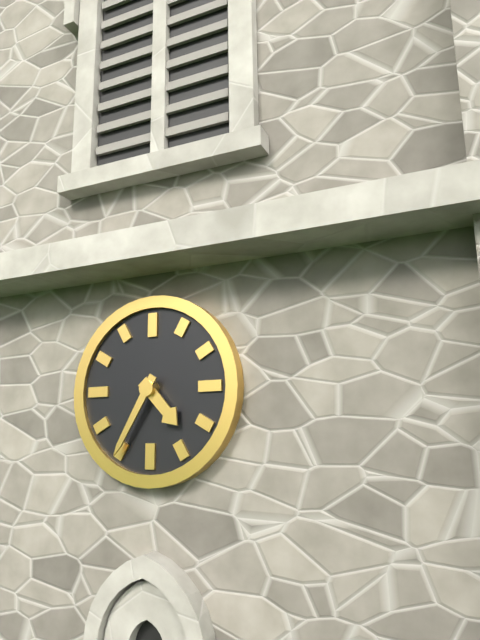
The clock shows h=4 m=35
